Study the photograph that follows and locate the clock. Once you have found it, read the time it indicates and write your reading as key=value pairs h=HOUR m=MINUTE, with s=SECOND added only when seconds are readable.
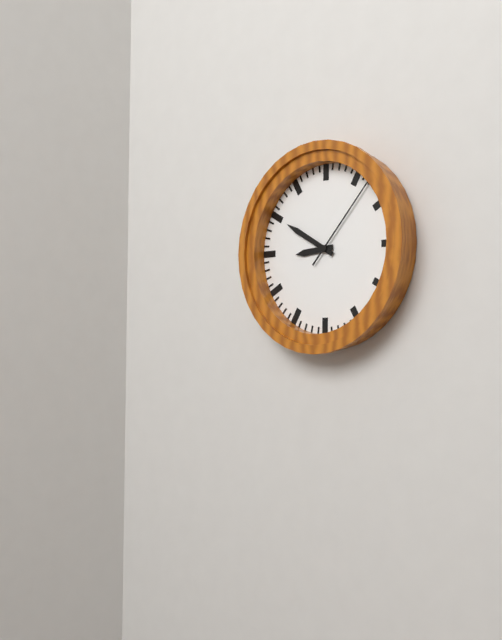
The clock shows h=8 m=50 s=7
